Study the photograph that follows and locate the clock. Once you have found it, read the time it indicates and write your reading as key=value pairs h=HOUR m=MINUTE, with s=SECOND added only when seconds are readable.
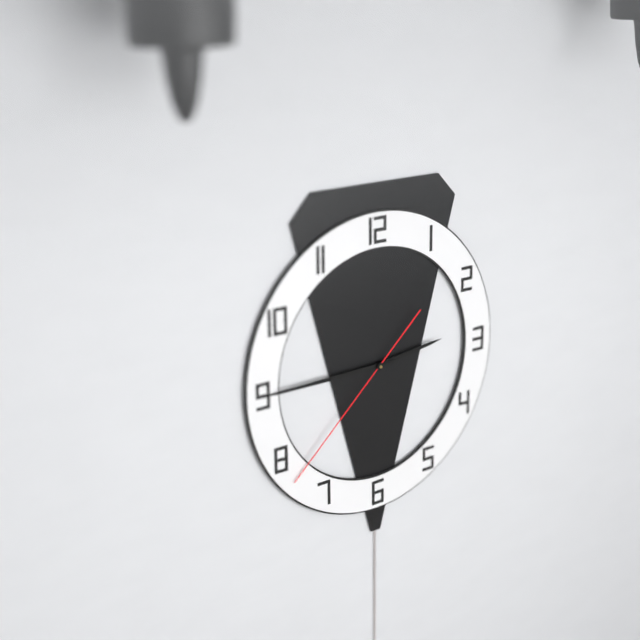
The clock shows h=2 m=45 s=38
